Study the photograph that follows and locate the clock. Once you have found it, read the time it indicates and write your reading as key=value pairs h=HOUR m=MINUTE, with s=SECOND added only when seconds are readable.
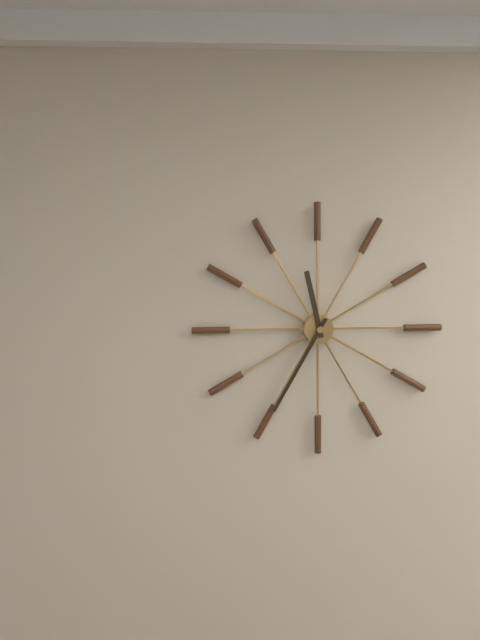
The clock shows h=11 m=35
